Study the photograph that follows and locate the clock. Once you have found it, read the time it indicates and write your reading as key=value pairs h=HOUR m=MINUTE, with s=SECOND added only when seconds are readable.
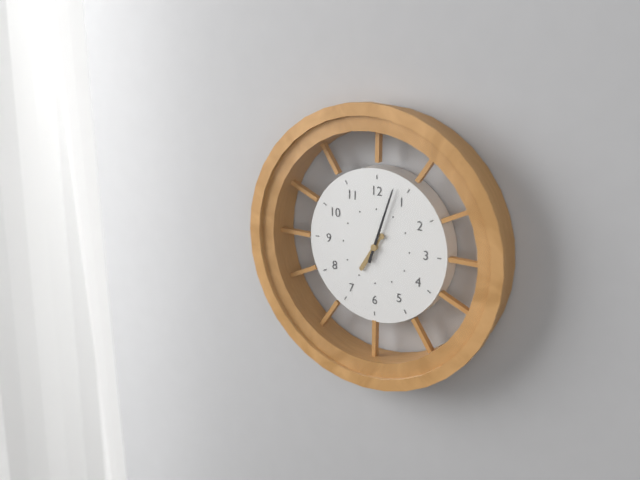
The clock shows h=7 m=3
